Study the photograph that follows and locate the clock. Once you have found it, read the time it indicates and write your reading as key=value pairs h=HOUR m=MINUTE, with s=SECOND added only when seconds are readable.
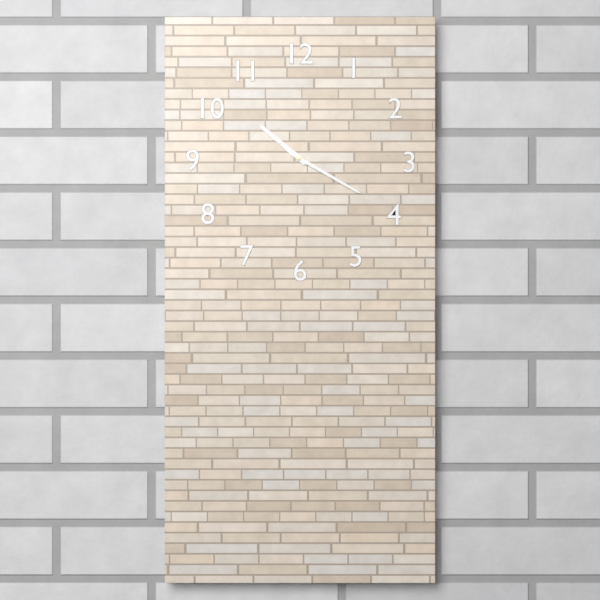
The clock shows h=10 m=20
